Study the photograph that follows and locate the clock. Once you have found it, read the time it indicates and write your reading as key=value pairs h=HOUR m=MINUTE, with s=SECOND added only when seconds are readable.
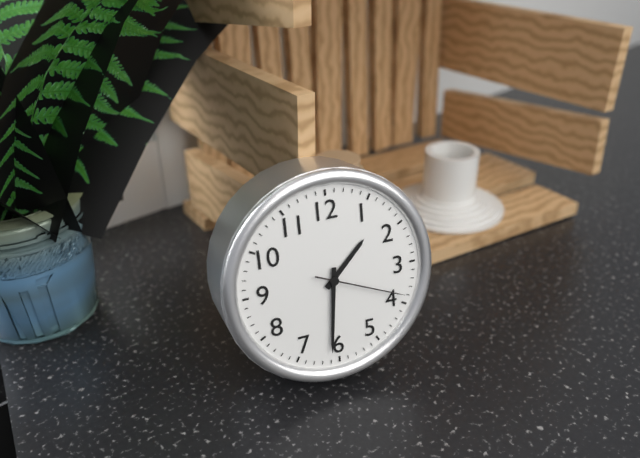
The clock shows h=1 m=31 s=19
